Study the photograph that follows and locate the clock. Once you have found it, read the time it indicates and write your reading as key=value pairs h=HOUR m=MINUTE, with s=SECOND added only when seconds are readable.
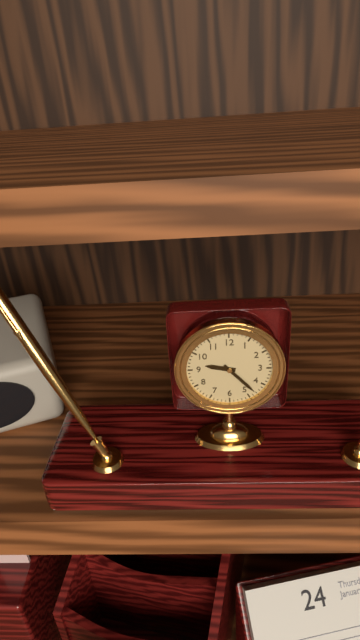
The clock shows h=9 m=23
